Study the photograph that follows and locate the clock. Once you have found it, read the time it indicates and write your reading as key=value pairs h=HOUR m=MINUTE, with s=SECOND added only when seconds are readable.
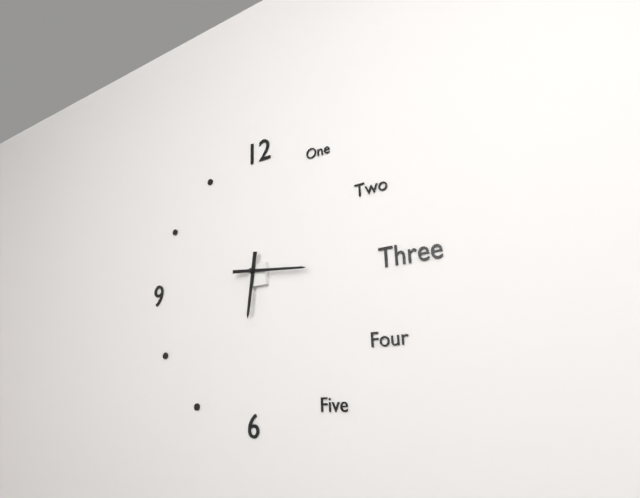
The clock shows h=6 m=16
